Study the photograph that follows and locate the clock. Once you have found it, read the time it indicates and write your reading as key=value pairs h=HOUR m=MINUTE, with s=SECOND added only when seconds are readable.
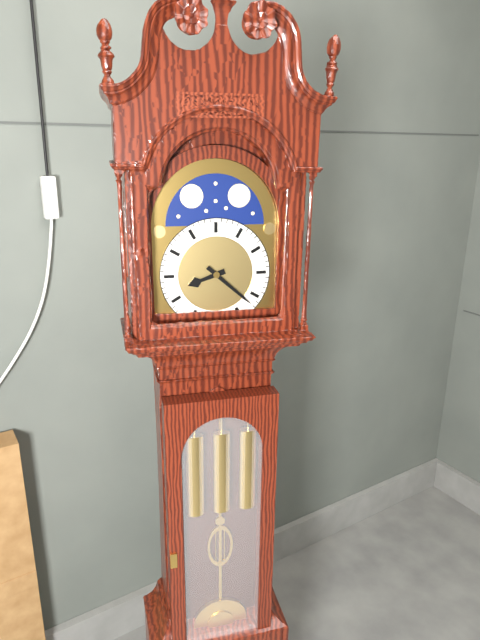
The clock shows h=8 m=22
